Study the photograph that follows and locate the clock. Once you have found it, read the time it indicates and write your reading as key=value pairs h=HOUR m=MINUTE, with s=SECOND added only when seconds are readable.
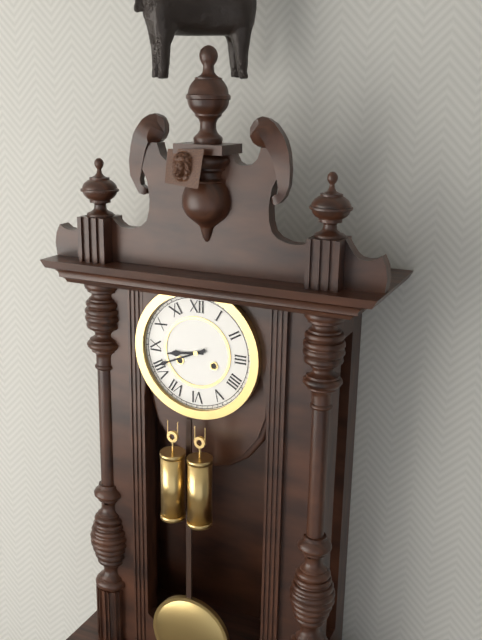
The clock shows h=8 m=41
